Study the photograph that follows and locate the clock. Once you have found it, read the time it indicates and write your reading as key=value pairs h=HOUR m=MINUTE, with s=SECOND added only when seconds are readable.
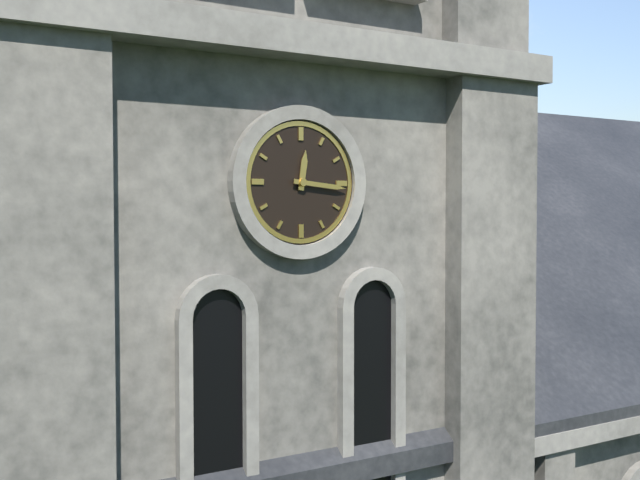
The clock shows h=12 m=16
